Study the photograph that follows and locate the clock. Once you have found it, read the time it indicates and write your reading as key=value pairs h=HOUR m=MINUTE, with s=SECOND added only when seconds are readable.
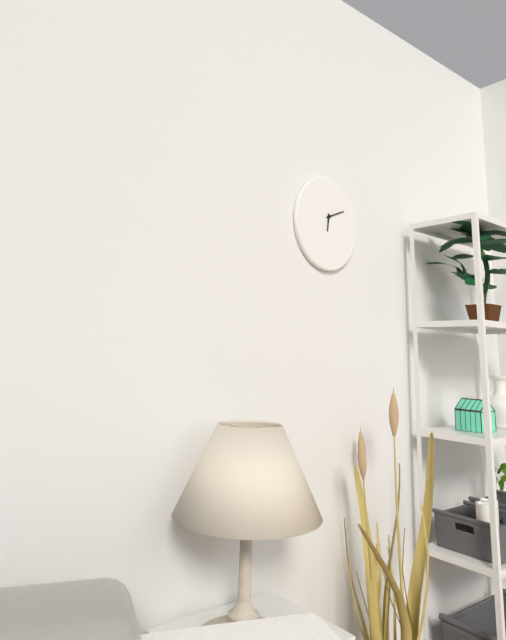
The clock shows h=6 m=11
